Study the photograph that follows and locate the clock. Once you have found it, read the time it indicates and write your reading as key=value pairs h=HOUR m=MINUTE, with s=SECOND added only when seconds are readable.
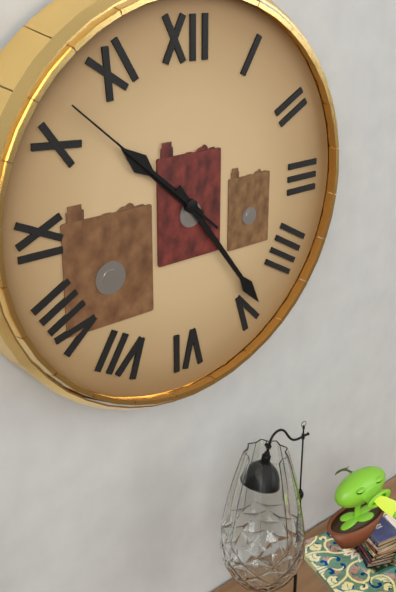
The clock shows h=10 m=24 s=52
